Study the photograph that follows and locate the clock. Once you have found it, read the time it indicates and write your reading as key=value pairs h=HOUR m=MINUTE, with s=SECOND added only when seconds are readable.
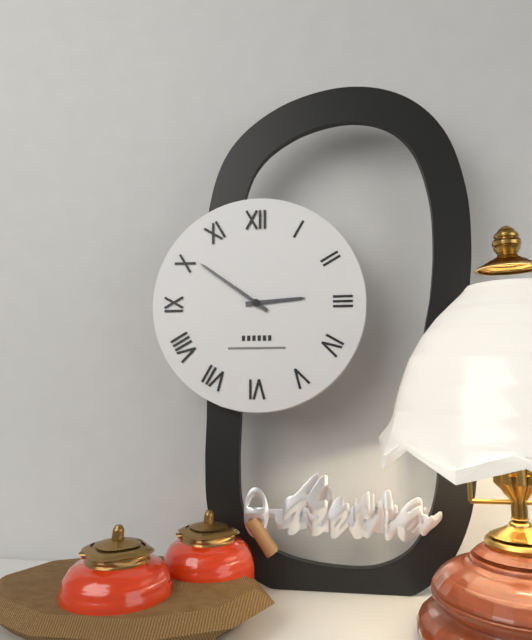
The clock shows h=2 m=51
